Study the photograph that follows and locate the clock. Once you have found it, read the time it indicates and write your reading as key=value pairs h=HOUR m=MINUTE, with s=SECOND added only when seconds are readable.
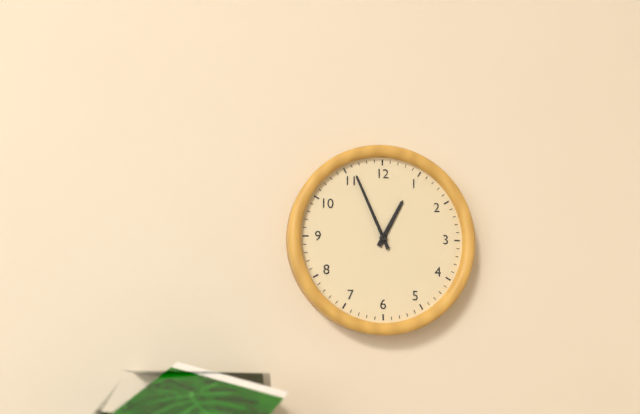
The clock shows h=12 m=56
